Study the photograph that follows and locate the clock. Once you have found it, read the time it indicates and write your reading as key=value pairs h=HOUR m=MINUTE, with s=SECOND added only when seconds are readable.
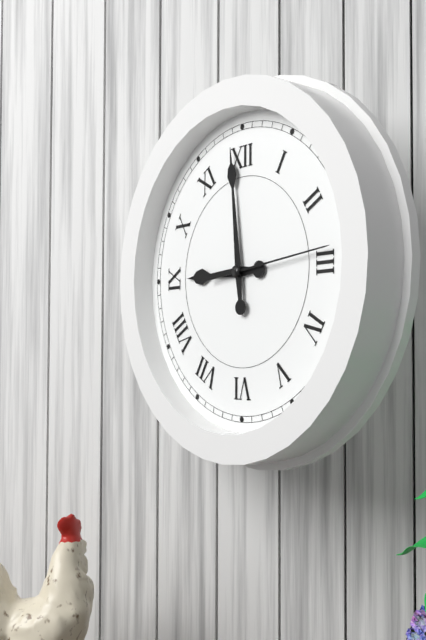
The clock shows h=8 m=59 s=14
